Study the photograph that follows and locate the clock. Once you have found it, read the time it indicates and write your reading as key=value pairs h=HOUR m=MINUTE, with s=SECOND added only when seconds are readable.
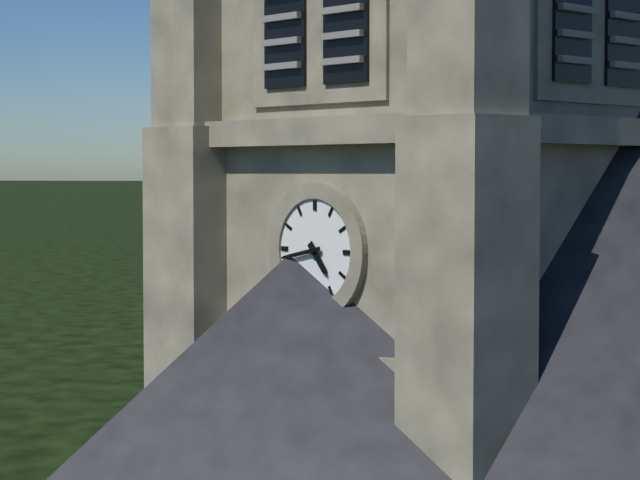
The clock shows h=4 m=43
